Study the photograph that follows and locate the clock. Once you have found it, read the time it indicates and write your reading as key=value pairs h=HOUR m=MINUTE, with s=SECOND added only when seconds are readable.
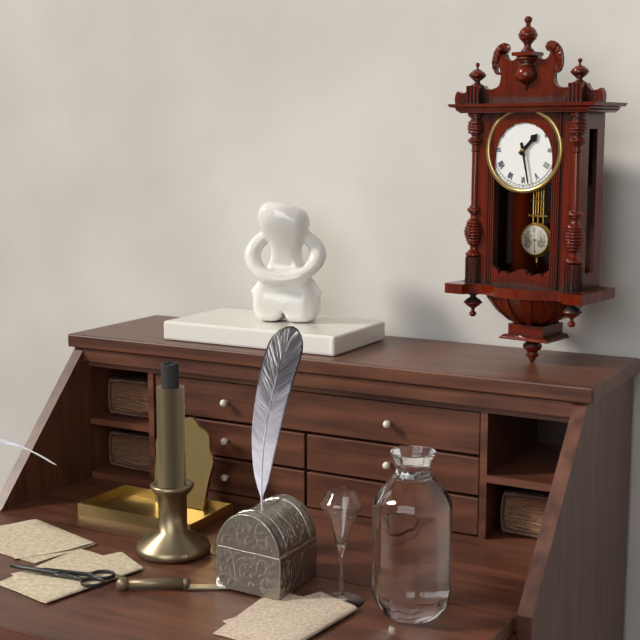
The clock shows h=1 m=28
